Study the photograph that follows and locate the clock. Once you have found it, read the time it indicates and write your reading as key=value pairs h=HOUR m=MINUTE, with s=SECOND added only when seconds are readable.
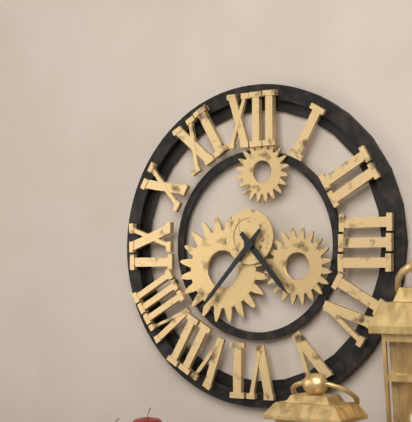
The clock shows h=4 m=37
